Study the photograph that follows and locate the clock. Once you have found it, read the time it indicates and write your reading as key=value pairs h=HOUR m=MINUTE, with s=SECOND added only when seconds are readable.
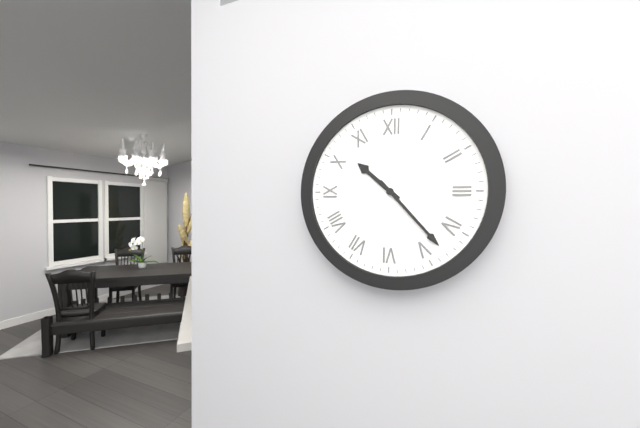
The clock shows h=10 m=23
